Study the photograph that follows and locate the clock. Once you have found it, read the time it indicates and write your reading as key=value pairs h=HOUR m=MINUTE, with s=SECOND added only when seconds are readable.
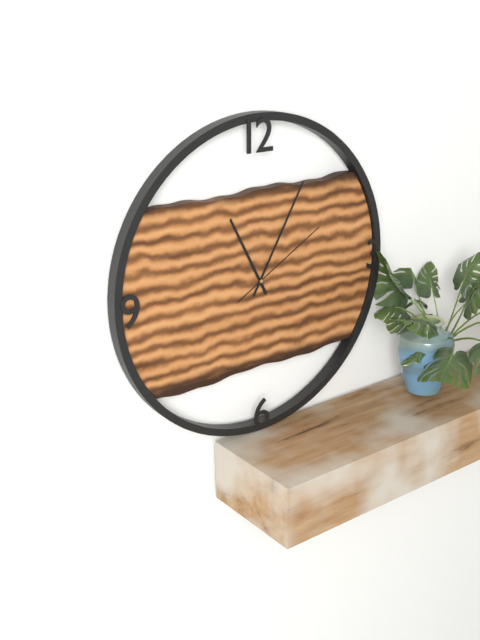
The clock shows h=11 m=5 s=10
